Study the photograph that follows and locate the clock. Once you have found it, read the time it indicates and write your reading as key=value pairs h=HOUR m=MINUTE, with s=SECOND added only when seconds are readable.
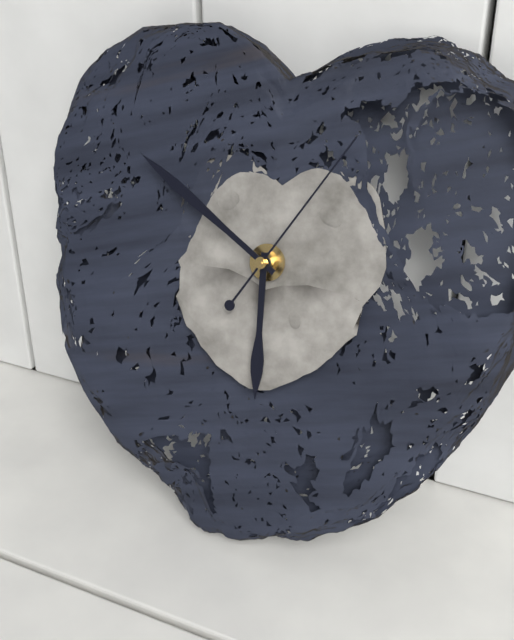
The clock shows h=5 m=50 s=5
